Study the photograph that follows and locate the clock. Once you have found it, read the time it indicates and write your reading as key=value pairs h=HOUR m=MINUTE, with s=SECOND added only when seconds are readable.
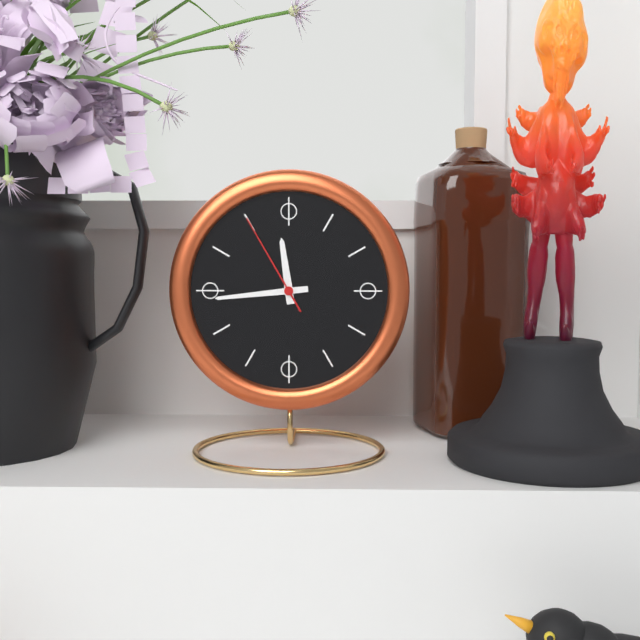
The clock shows h=11 m=44 s=55
